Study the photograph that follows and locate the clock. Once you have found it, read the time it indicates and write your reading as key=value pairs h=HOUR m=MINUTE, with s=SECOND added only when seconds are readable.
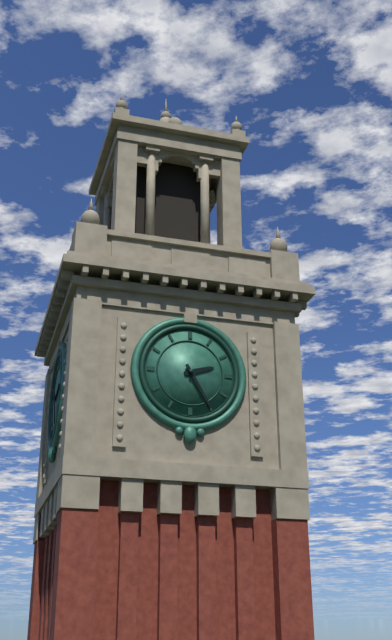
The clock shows h=2 m=25
